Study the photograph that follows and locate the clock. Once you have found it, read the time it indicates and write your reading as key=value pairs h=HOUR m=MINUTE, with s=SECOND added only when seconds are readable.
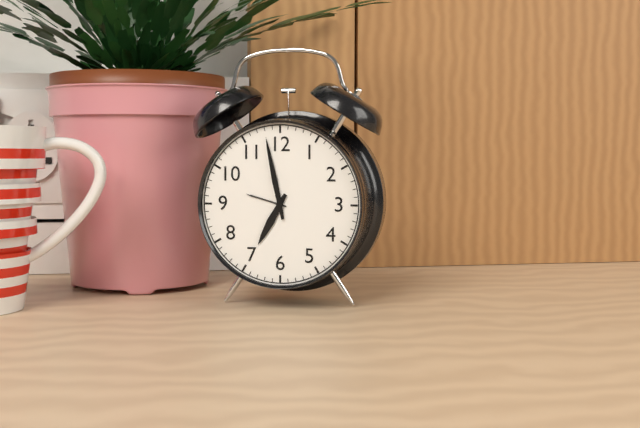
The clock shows h=6 m=58
